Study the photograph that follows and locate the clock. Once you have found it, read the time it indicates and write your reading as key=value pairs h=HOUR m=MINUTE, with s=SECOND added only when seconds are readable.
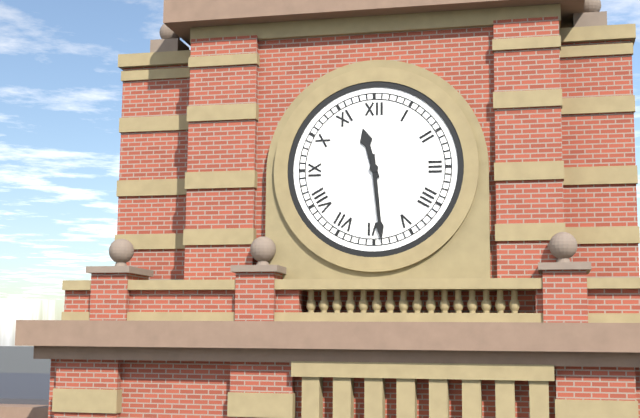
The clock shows h=11 m=29
